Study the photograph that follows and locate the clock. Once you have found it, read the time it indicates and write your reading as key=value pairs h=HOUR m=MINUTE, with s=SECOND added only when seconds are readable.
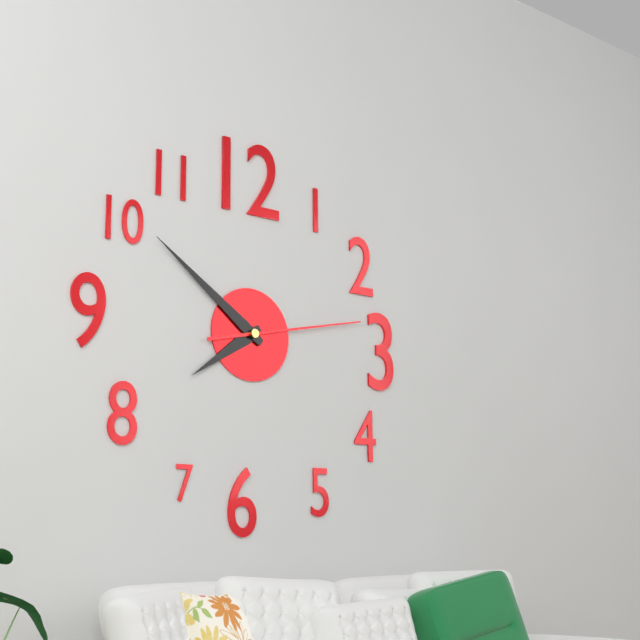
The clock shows h=7 m=51 s=13
